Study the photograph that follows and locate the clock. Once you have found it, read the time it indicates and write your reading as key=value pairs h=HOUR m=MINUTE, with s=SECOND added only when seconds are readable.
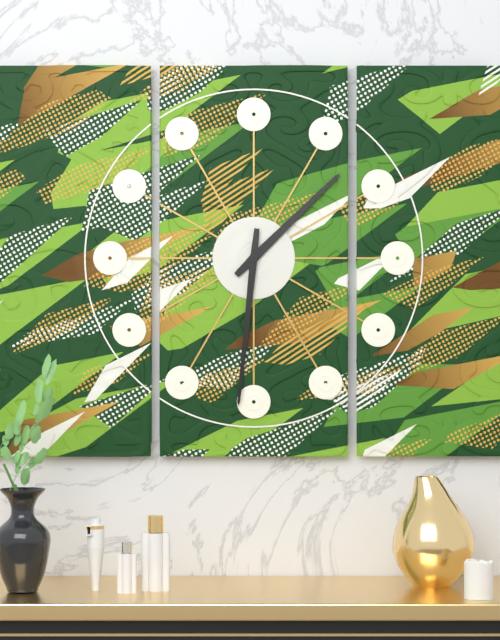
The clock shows h=1 m=31
